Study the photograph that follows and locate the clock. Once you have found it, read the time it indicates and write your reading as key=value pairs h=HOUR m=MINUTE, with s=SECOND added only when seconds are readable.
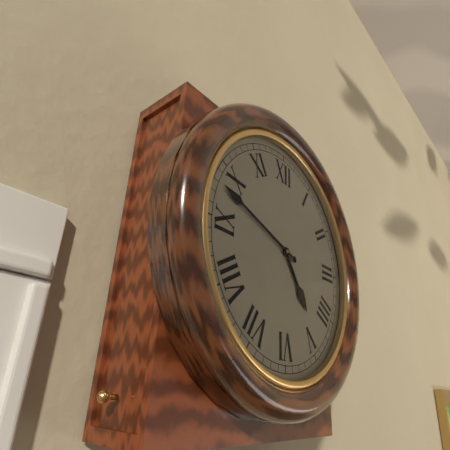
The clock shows h=4 m=48
